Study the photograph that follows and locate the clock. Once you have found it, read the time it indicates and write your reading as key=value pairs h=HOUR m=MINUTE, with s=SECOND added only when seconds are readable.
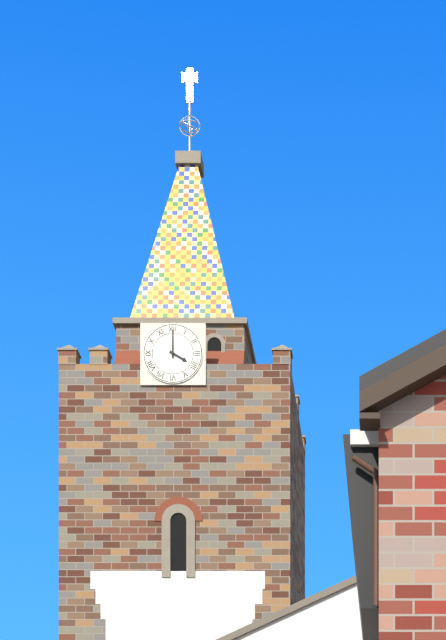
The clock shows h=4 m=0
